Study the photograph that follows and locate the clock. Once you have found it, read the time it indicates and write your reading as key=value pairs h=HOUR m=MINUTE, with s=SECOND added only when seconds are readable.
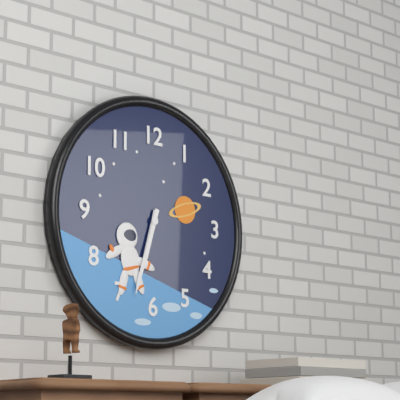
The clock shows h=6 m=33
